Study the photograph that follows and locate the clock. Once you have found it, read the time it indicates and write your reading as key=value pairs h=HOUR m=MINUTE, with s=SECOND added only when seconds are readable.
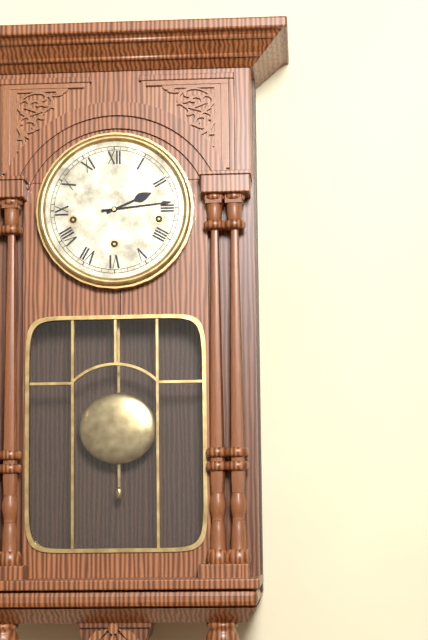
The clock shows h=2 m=14
